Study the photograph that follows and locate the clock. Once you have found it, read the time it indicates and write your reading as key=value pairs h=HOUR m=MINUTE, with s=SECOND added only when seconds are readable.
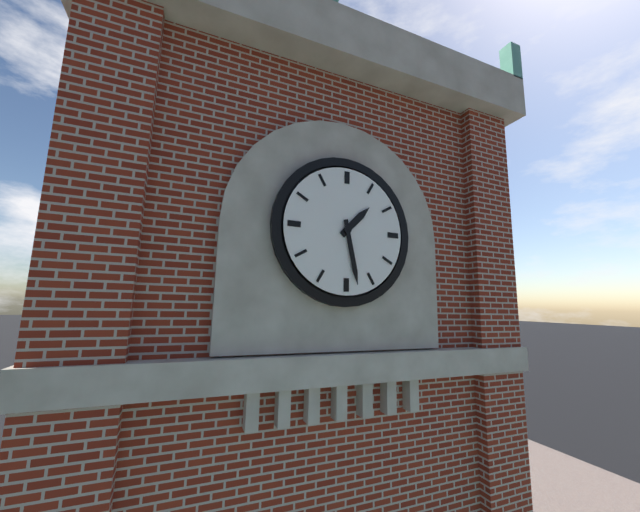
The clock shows h=1 m=28
